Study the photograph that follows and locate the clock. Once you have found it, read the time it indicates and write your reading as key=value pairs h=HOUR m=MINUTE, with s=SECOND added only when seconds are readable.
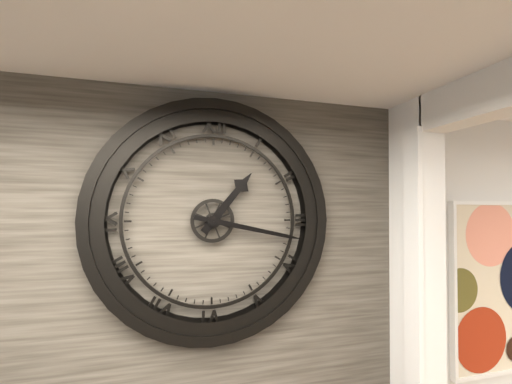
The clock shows h=1 m=17
